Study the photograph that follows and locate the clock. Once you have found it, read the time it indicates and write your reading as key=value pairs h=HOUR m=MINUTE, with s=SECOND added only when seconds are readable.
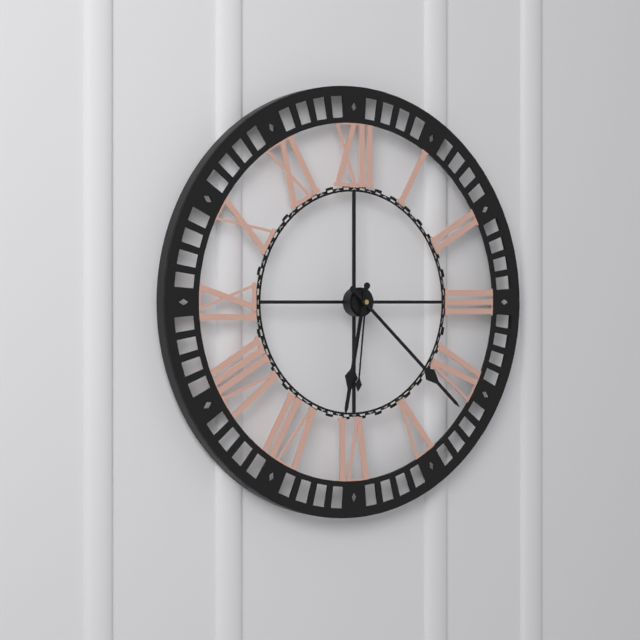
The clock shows h=6 m=22 s=31
